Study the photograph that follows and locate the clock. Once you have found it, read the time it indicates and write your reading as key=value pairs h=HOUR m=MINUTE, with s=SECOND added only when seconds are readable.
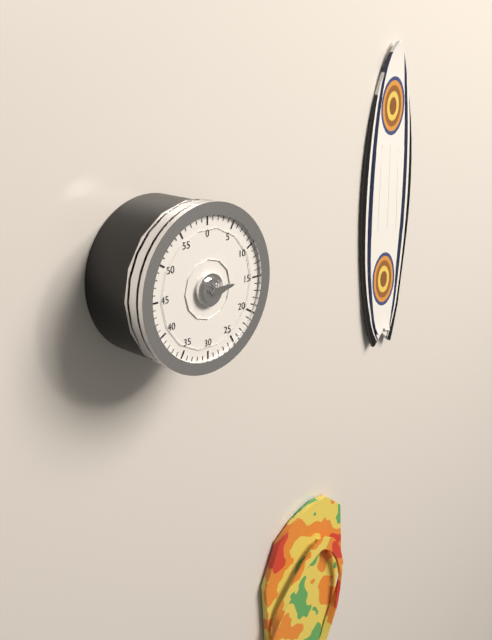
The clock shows h=3 m=14
